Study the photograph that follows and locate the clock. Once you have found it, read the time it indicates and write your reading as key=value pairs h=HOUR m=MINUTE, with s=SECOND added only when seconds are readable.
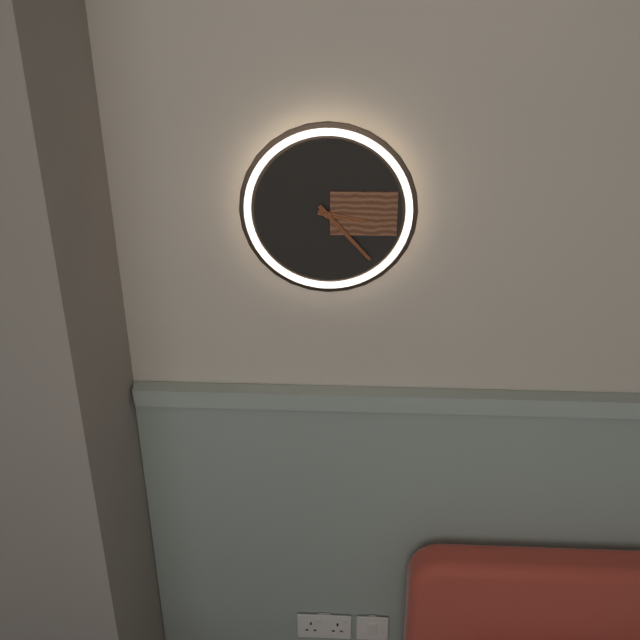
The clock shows h=3 m=23
